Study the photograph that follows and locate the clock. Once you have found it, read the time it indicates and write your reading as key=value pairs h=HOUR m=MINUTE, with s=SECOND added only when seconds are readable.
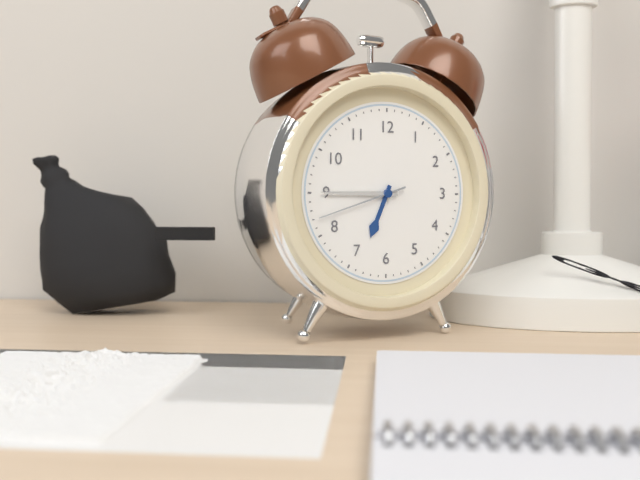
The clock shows h=6 m=45 s=42
